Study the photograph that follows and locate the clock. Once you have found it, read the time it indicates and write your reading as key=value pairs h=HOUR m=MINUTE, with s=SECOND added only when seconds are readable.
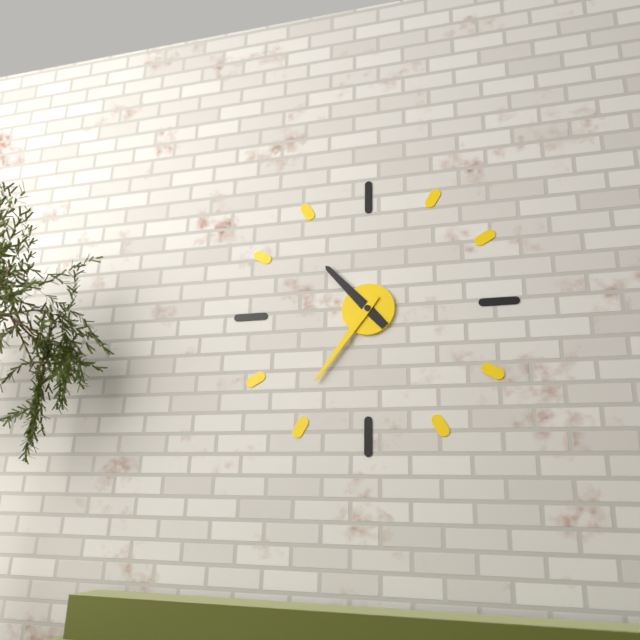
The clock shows h=10 m=36
